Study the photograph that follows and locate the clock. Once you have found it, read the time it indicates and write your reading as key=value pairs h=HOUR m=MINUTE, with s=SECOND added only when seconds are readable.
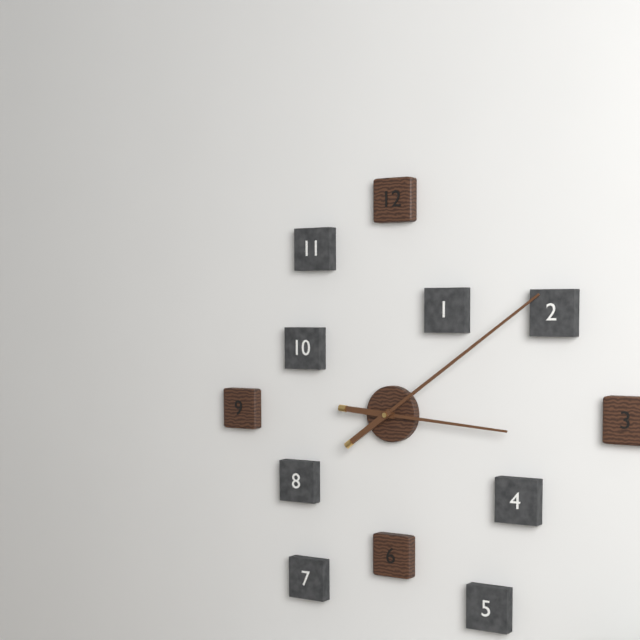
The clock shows h=3 m=9
